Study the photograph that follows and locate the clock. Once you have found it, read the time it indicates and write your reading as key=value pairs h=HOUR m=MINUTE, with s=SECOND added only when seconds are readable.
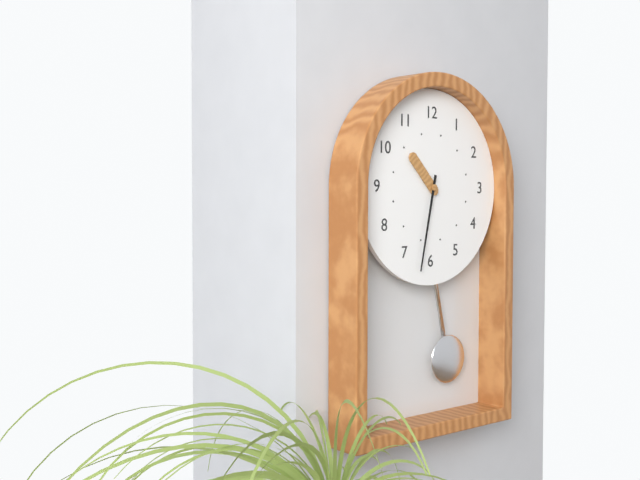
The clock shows h=10 m=32
